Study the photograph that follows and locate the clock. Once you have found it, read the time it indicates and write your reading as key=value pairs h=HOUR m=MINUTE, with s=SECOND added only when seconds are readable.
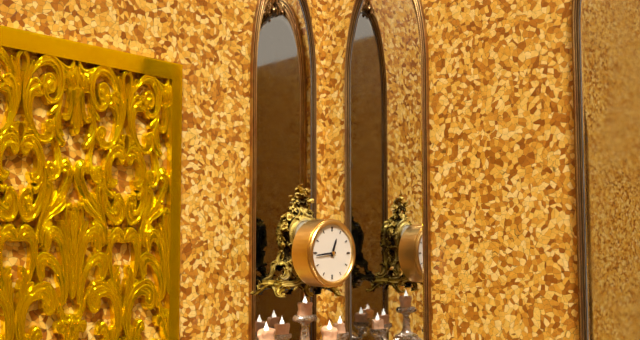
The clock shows h=12 m=44
